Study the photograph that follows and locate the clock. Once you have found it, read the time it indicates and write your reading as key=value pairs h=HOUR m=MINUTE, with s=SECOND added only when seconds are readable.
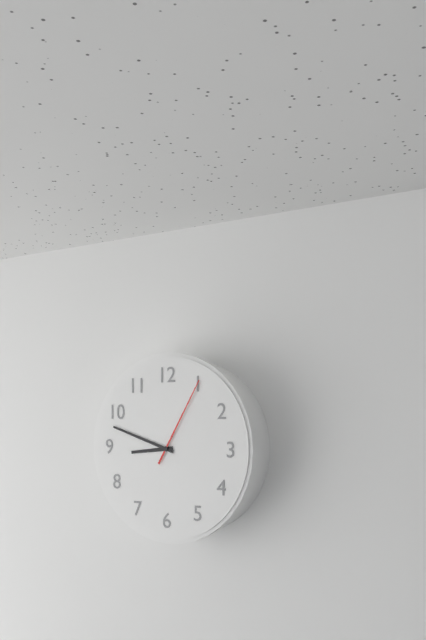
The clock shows h=8 m=48 s=5
